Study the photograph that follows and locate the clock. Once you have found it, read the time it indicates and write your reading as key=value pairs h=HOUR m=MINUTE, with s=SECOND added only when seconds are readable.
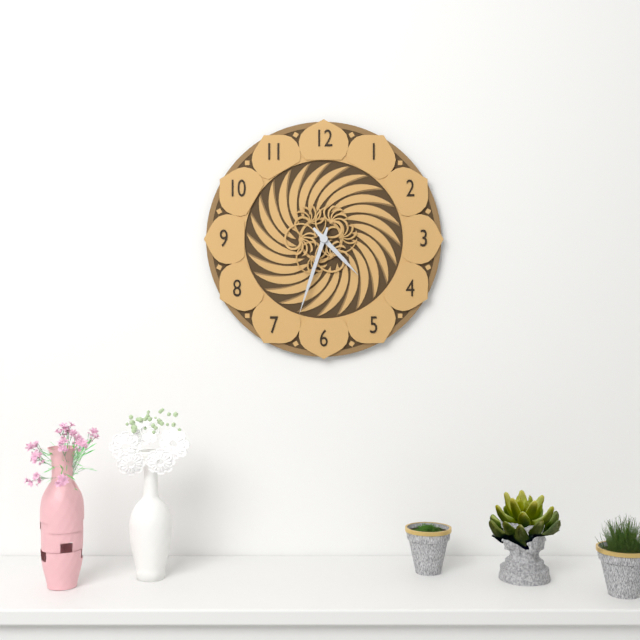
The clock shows h=4 m=33
